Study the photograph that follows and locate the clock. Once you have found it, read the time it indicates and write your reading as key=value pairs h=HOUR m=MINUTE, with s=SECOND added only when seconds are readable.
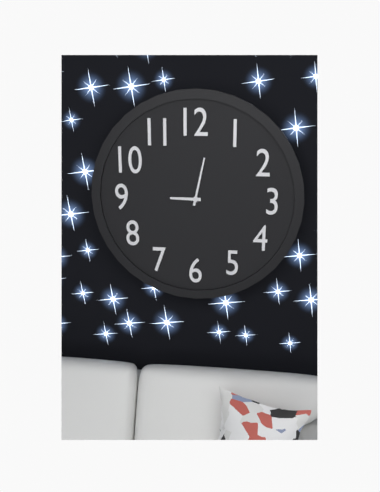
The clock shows h=9 m=2
